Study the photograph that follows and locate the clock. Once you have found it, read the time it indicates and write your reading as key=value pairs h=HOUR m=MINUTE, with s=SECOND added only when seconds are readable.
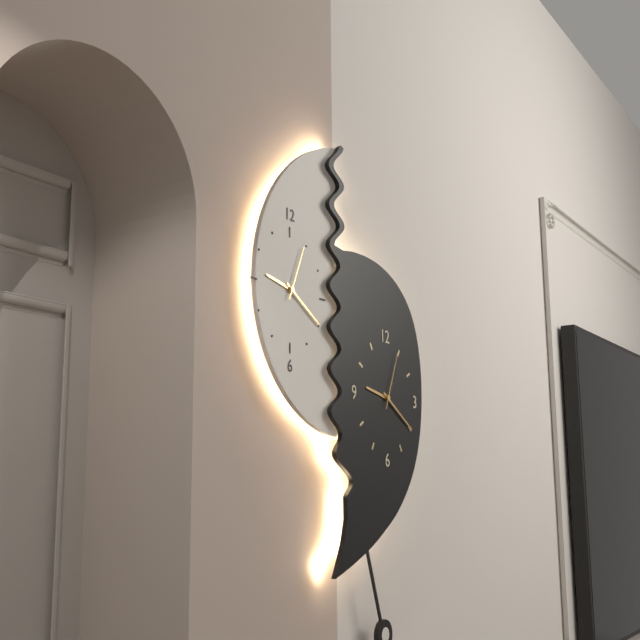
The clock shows h=9 m=20 s=4
